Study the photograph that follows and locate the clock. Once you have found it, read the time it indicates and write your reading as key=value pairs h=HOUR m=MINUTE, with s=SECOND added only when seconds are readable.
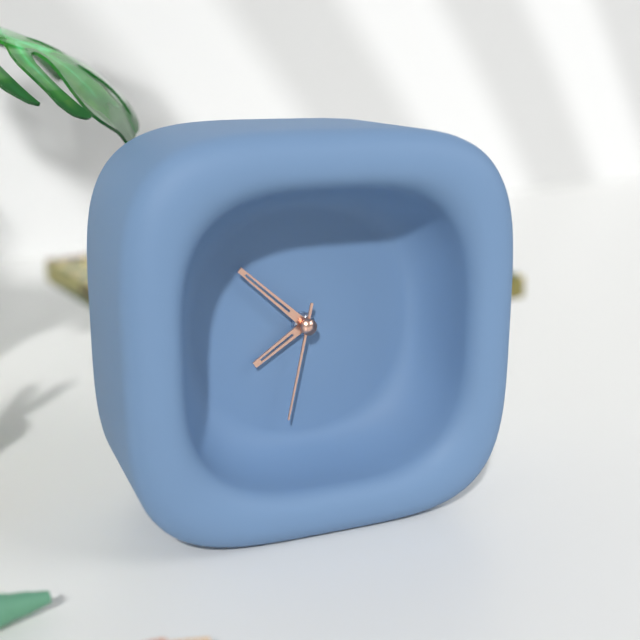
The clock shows h=7 m=52 s=32
